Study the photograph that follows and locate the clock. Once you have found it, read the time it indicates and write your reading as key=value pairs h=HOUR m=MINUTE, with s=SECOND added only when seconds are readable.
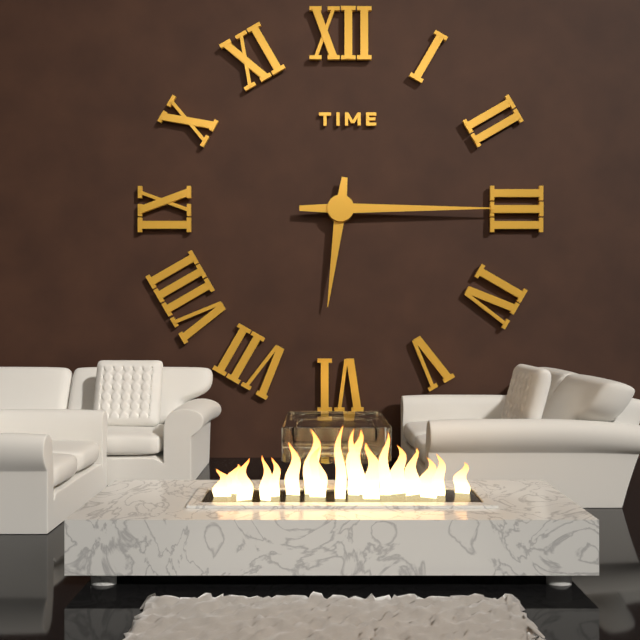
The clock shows h=6 m=15
